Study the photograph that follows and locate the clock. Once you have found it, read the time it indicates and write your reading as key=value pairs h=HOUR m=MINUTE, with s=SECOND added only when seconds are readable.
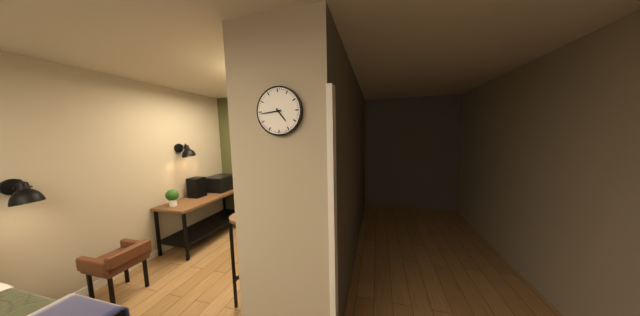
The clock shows h=4 m=44
